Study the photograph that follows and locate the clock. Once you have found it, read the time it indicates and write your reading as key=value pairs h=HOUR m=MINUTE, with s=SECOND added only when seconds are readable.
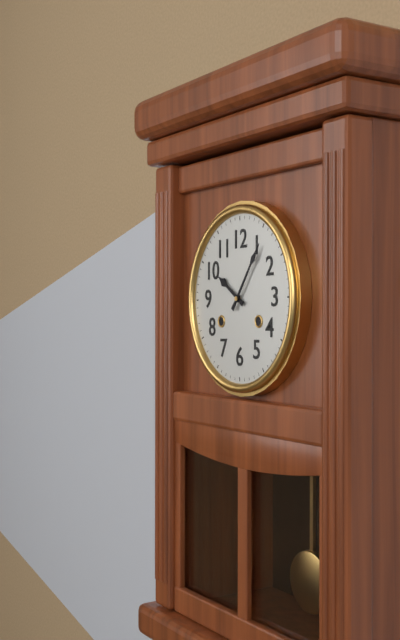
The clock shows h=10 m=6
